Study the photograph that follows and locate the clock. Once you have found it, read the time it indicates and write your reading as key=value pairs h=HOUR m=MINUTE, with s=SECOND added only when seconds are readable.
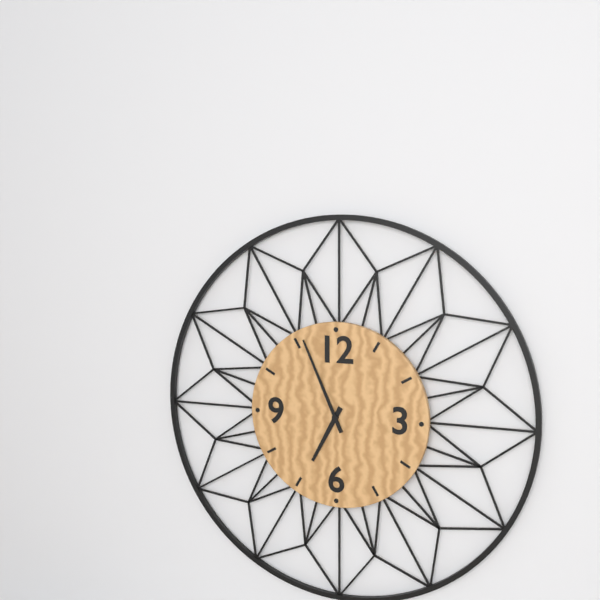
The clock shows h=6 m=56
